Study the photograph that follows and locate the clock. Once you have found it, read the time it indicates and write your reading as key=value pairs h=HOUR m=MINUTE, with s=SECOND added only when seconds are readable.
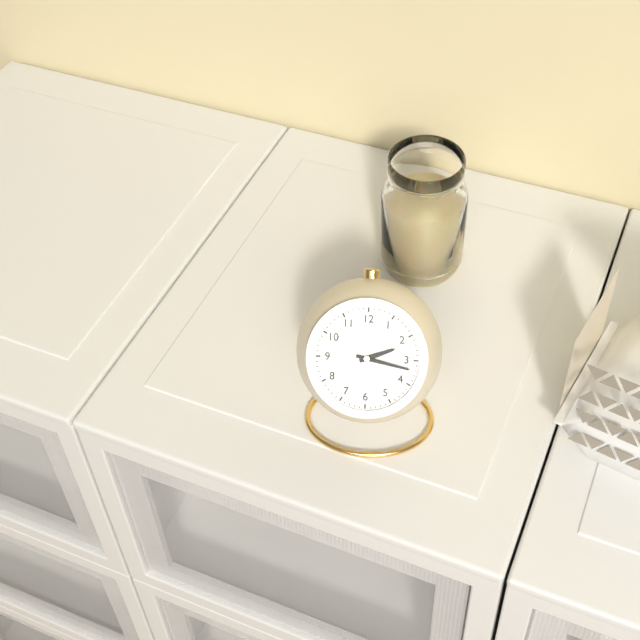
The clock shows h=2 m=17
